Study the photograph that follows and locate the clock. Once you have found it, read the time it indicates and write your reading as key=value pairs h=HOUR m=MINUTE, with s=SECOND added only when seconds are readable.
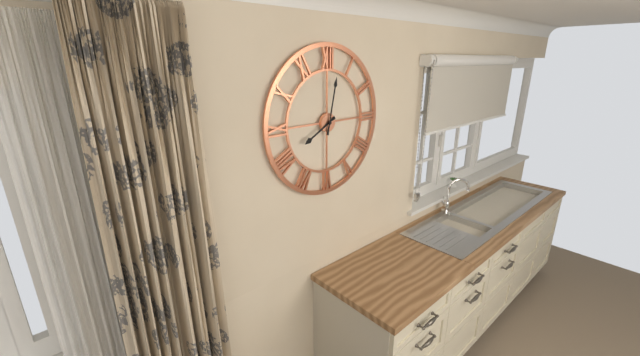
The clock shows h=8 m=2
